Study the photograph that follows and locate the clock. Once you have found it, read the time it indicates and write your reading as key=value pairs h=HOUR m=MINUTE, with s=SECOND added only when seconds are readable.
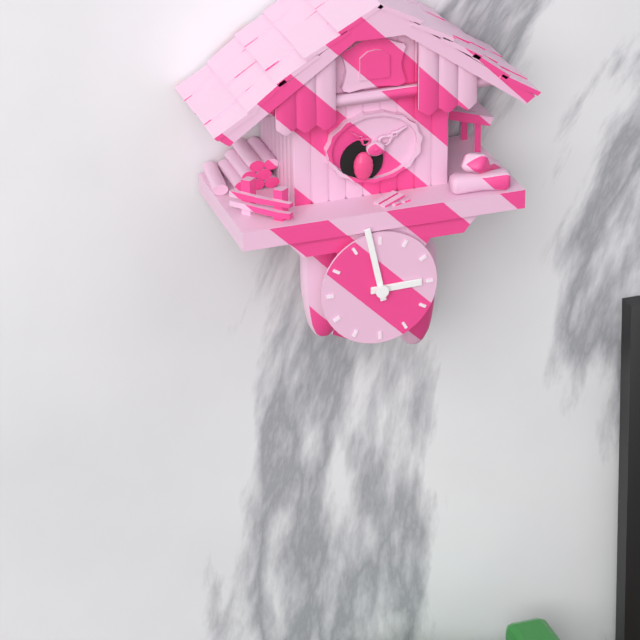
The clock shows h=2 m=58
